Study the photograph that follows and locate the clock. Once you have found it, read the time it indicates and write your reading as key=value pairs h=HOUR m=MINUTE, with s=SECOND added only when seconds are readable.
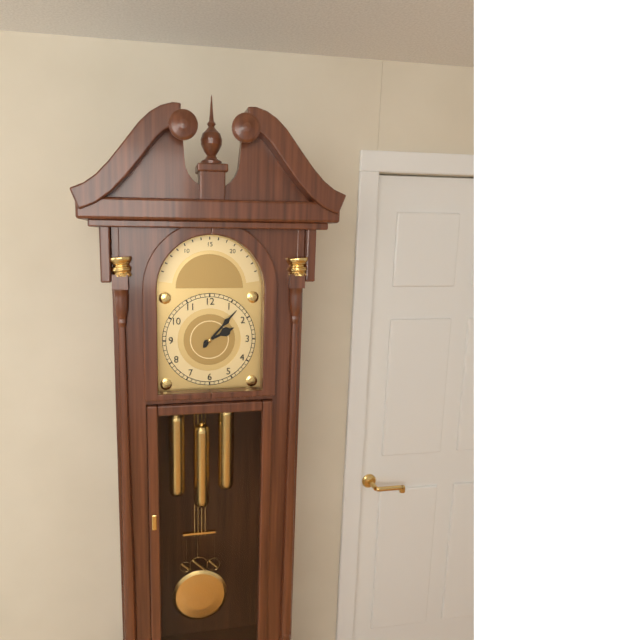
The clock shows h=2 m=7
